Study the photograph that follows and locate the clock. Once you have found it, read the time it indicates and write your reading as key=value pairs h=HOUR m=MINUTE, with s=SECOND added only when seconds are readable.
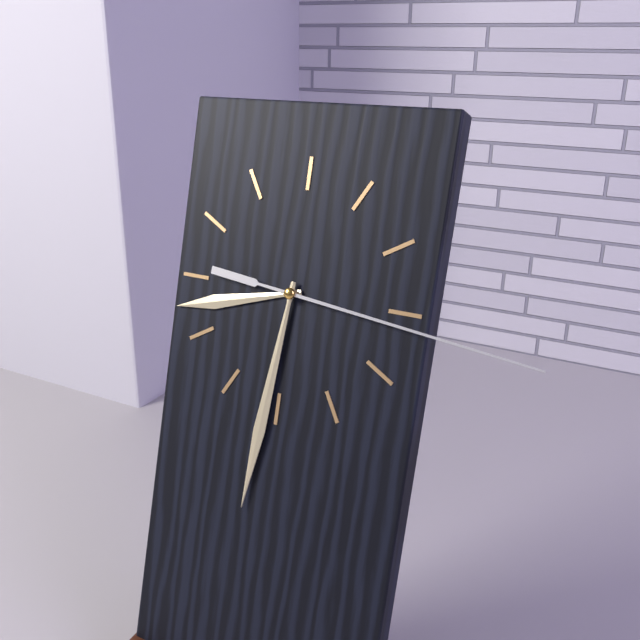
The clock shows h=8 m=31 s=16
